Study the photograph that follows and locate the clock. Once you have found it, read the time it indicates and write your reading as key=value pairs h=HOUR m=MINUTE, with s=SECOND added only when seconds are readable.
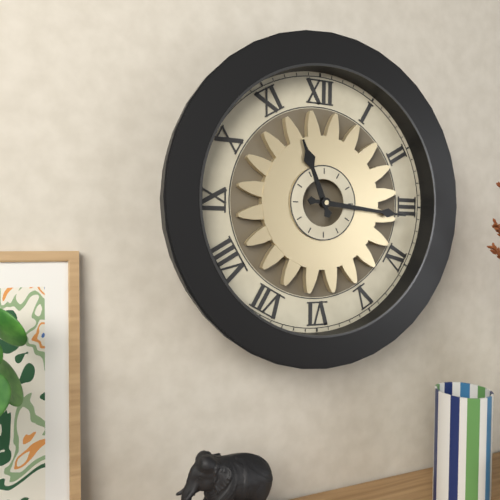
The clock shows h=11 m=16
